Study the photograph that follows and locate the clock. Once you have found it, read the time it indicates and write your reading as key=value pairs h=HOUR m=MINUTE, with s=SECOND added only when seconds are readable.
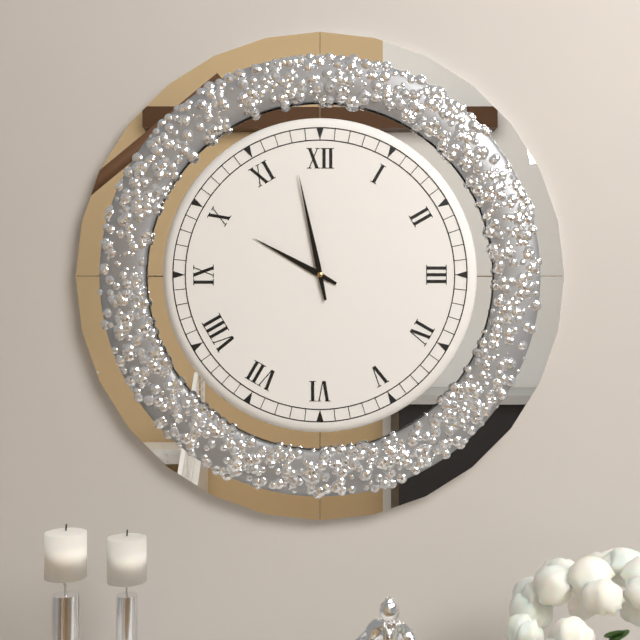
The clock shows h=9 m=58
